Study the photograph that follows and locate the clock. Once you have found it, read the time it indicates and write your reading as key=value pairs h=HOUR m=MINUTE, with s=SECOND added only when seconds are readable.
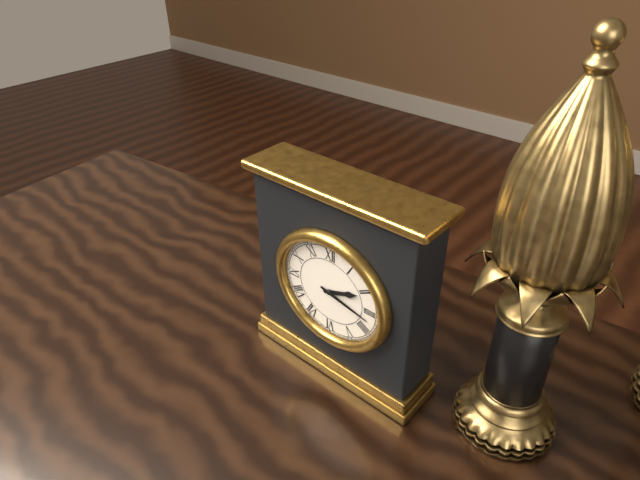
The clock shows h=2 m=17
